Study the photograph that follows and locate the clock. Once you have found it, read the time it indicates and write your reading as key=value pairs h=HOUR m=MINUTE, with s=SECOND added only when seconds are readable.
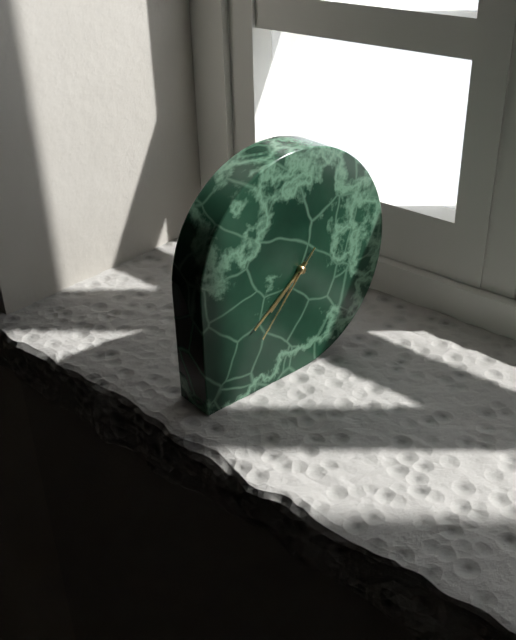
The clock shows h=7 m=39 s=37
